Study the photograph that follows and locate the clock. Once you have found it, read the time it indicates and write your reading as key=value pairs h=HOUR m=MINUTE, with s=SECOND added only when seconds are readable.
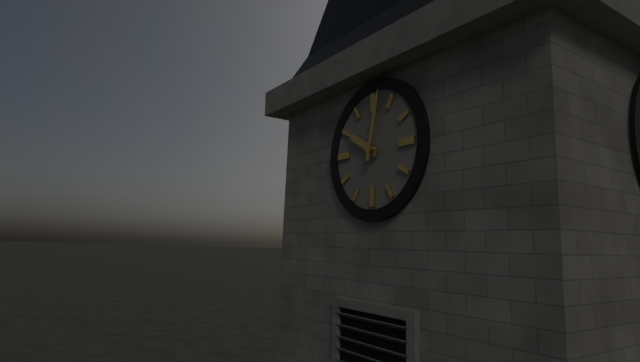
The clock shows h=10 m=2
